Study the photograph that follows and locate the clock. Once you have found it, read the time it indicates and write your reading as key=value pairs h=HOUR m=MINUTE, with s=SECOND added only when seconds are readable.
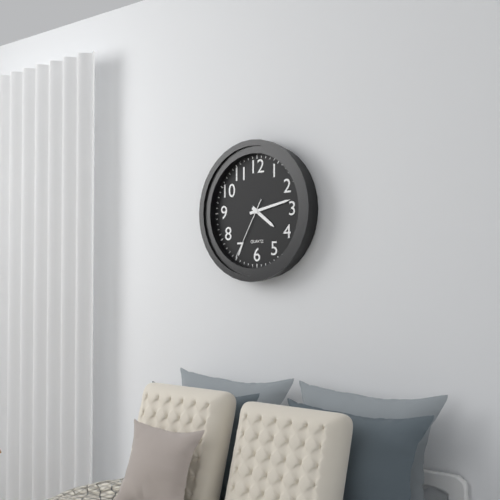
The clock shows h=4 m=13 s=35
